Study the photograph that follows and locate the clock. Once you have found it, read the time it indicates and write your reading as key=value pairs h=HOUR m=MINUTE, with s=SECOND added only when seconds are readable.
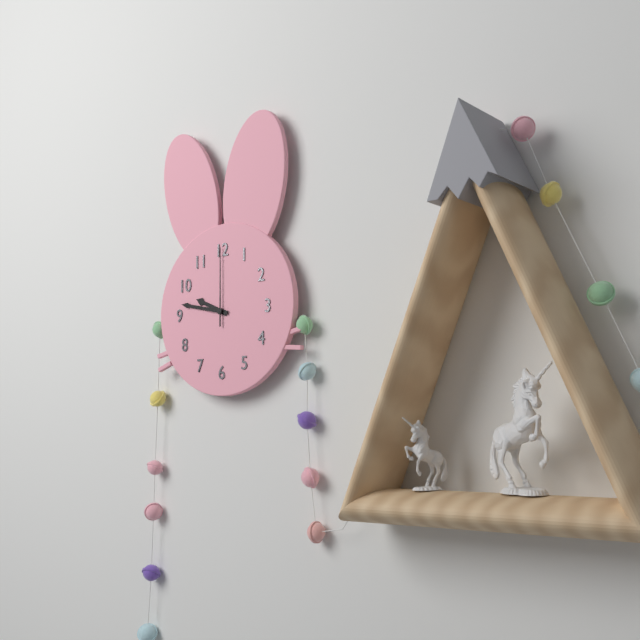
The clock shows h=9 m=47 s=0
